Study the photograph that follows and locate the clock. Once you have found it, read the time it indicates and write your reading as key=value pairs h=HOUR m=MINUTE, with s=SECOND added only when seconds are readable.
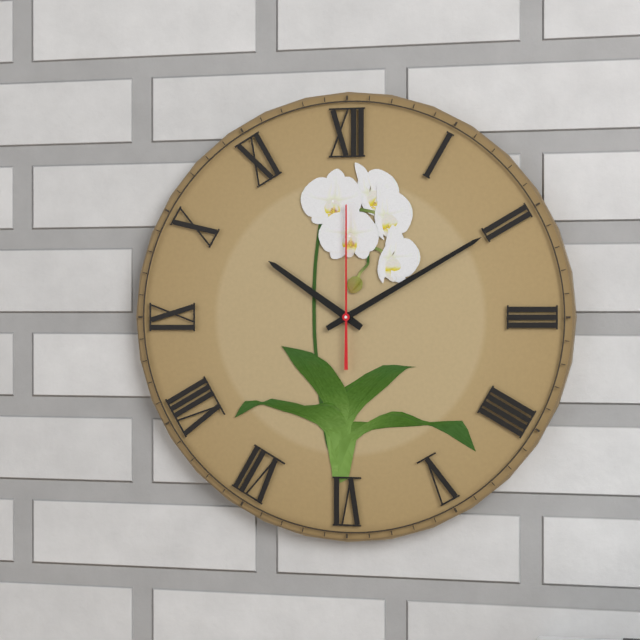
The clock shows h=10 m=10 s=0
